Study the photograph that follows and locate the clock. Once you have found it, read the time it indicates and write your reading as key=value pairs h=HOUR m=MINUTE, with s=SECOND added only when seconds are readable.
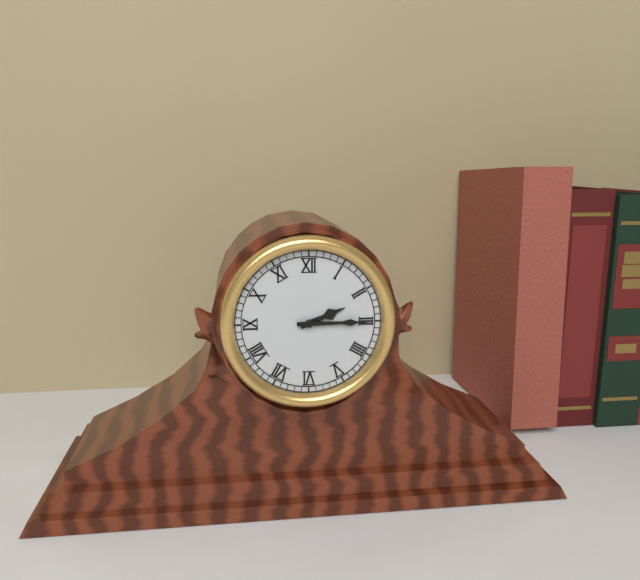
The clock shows h=2 m=15
